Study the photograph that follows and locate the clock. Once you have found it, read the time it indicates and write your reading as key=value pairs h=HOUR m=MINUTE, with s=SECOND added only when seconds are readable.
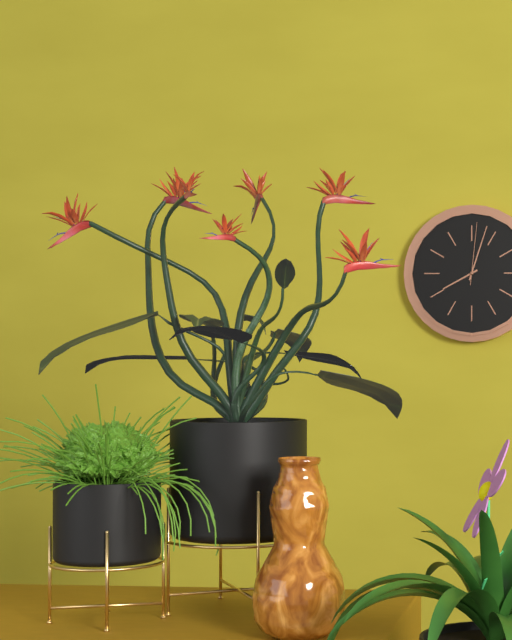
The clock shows h=8 m=3 s=1
